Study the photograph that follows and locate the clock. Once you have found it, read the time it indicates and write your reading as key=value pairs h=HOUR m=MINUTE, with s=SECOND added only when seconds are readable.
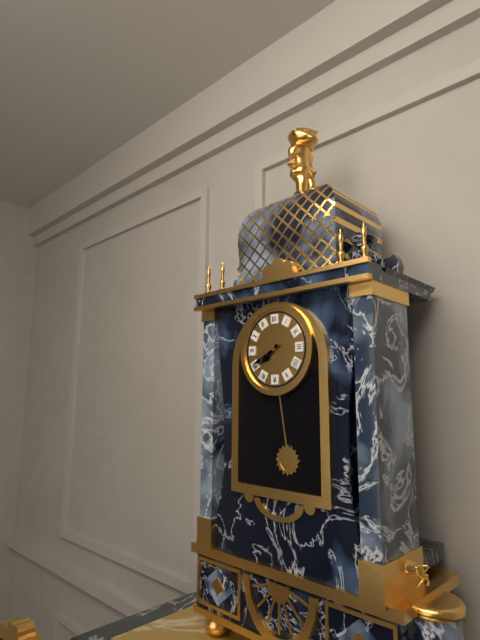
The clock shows h=7 m=40
